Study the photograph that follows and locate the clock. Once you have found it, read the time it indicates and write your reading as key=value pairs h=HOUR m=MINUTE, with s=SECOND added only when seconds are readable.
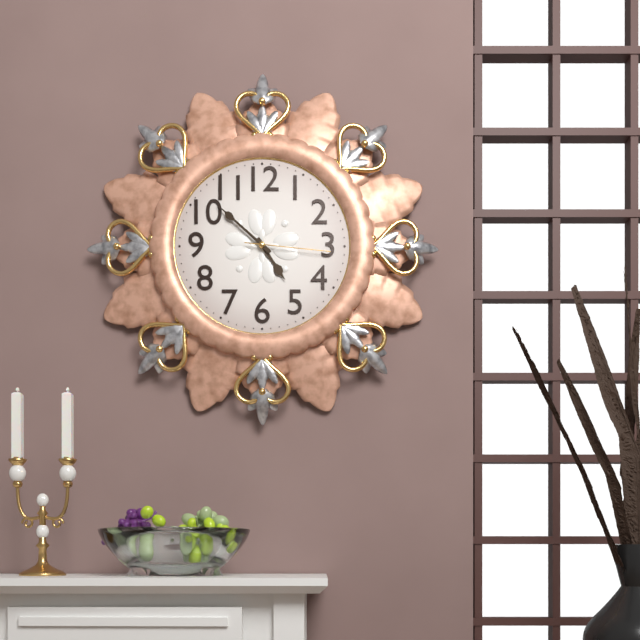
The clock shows h=4 m=52 s=16
